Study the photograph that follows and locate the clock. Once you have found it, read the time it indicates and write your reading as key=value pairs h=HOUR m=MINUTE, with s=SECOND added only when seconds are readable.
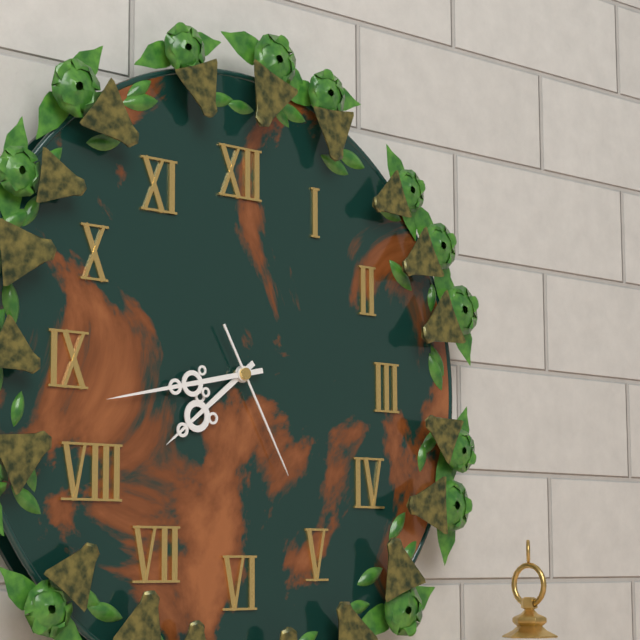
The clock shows h=7 m=43 s=25
